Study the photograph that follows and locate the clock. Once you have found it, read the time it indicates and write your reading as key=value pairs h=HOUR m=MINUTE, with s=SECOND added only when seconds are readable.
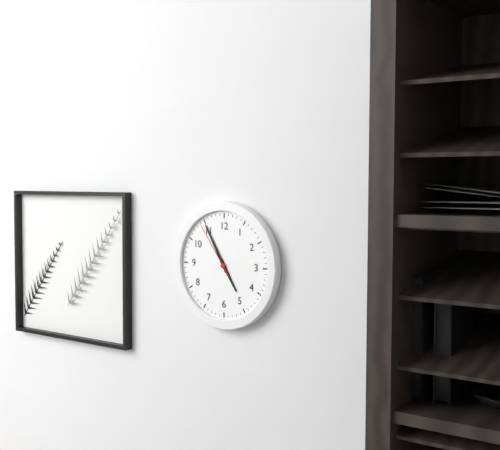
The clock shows h=4 m=55 s=54
